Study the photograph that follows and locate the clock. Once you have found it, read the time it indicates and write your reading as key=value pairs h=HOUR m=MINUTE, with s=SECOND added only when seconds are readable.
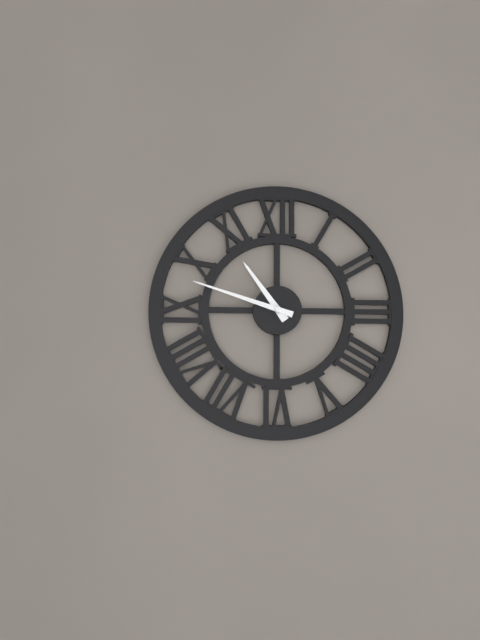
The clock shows h=10 m=48
